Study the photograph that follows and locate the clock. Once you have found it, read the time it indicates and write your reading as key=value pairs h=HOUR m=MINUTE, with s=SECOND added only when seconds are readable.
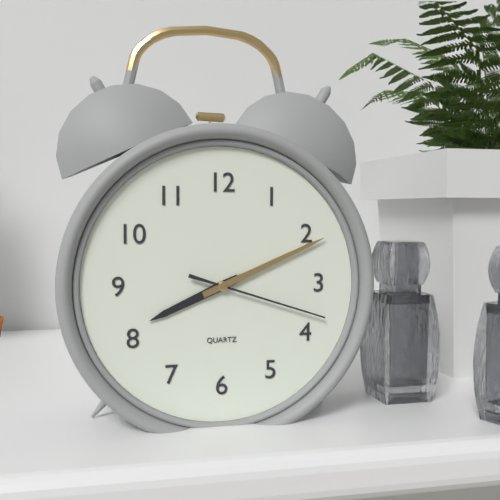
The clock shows h=8 m=11 s=18
